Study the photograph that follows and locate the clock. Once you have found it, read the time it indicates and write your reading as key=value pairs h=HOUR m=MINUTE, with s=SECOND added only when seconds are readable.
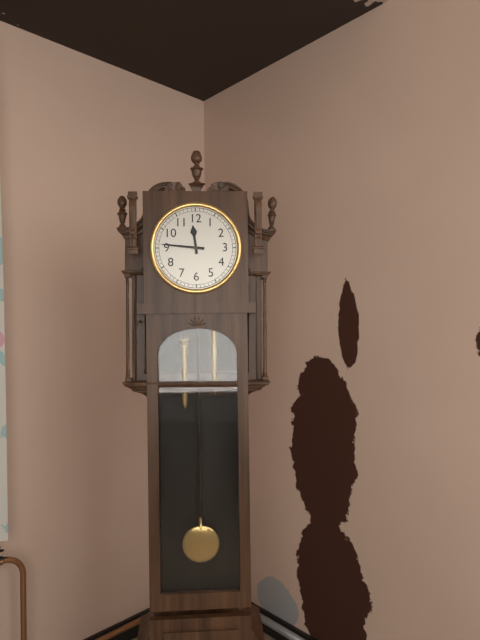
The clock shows h=11 m=46
